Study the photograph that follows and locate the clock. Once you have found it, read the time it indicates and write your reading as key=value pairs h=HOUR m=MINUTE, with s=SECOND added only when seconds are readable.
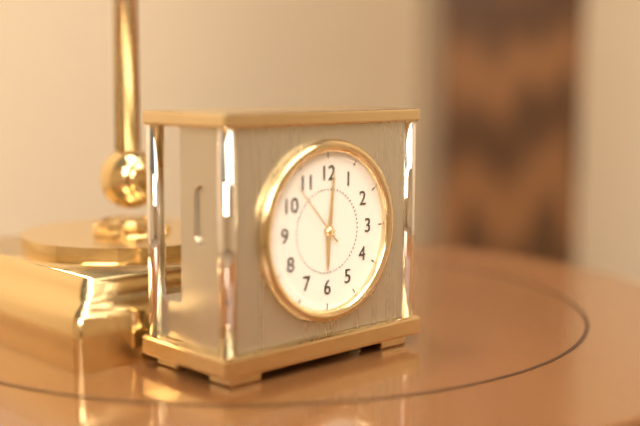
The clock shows h=6 m=1 s=53
